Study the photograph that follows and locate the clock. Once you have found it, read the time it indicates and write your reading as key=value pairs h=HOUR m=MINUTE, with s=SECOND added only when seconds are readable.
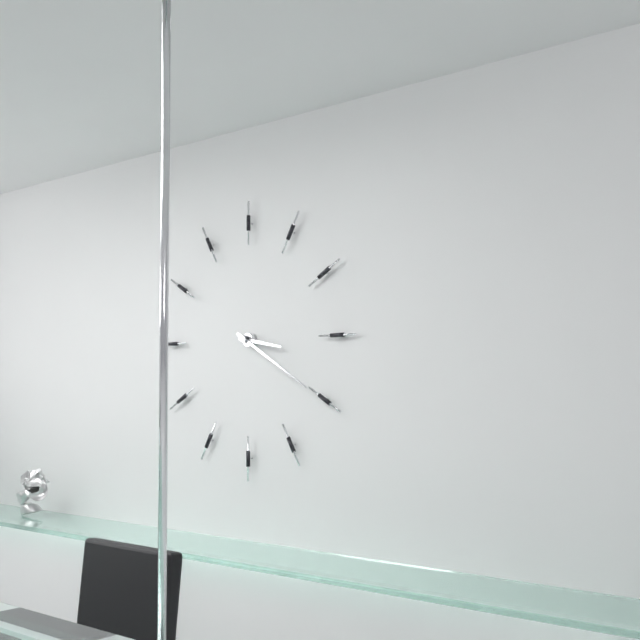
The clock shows h=3 m=20
